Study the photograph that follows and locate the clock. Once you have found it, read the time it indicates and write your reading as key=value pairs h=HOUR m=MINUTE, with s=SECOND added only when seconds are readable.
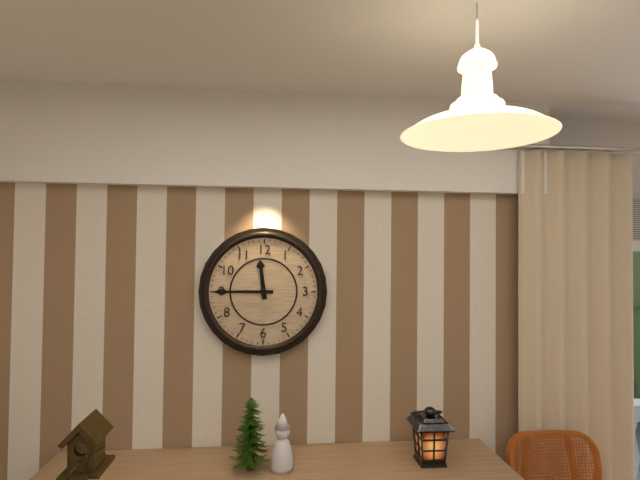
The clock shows h=11 m=45
